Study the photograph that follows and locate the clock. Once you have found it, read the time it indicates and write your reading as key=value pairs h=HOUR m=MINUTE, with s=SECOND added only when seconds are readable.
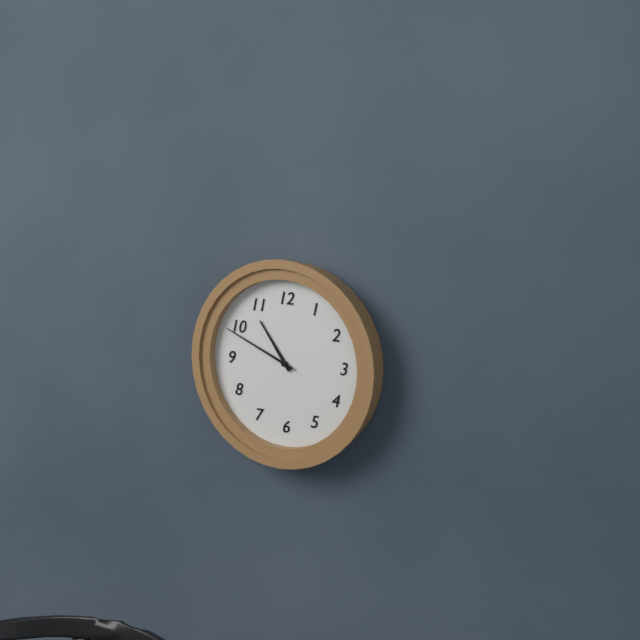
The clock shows h=10 m=49
